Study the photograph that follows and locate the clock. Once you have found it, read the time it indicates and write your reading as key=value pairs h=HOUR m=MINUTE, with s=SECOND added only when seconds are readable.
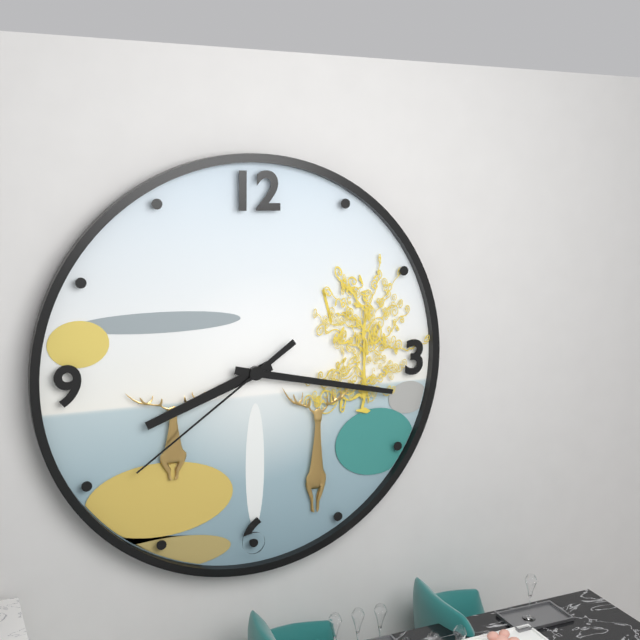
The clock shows h=8 m=17 s=39
